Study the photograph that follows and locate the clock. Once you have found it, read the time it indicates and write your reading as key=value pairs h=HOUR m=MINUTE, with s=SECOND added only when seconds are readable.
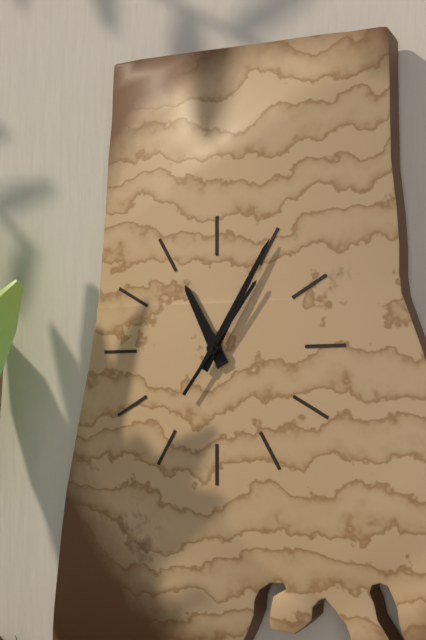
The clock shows h=11 m=5 s=6
